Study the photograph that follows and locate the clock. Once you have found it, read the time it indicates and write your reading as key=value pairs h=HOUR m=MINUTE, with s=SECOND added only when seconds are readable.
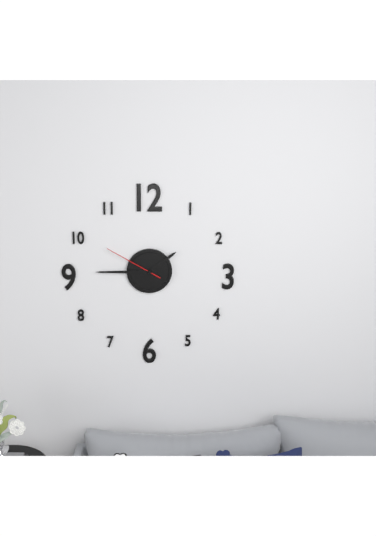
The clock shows h=1 m=45 s=50
